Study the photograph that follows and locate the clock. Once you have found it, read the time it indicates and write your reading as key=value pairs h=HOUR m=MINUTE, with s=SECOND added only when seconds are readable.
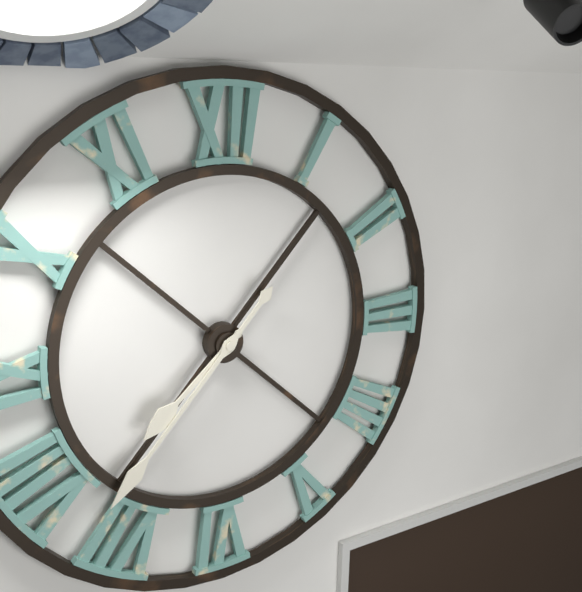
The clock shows h=7 m=37
